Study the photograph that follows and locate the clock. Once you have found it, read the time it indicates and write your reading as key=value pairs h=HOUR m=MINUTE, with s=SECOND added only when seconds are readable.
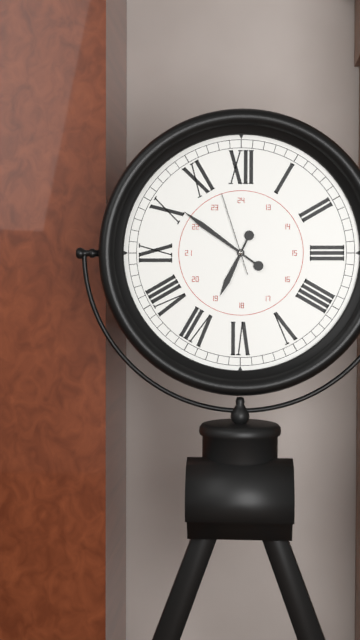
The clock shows h=6 m=51 s=57
